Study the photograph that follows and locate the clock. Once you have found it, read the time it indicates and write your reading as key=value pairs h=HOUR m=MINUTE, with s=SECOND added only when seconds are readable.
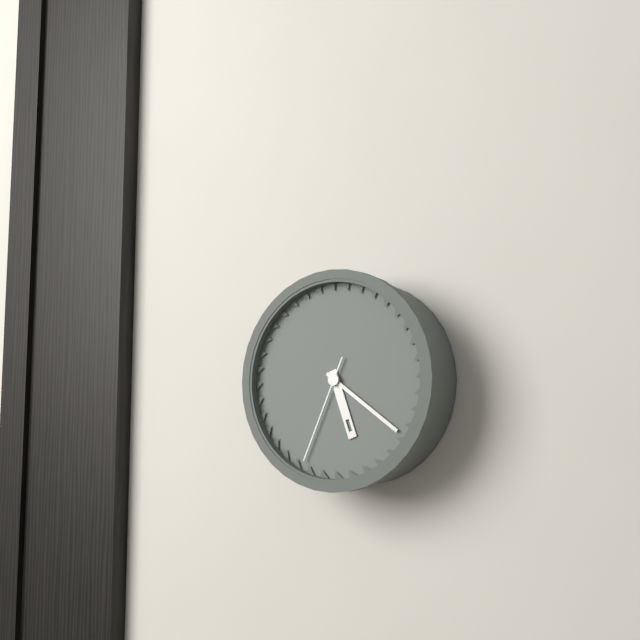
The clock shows h=5 m=21 s=34
